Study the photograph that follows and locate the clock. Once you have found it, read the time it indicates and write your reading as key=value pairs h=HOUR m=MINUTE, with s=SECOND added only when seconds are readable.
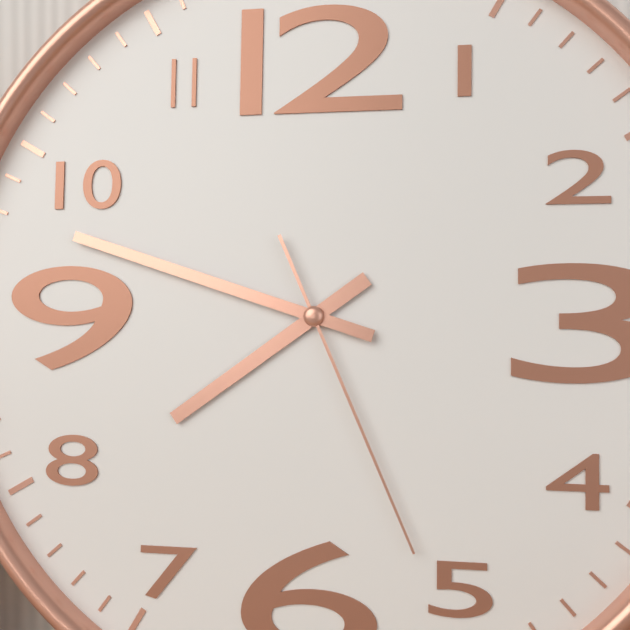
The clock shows h=7 m=48 s=26
